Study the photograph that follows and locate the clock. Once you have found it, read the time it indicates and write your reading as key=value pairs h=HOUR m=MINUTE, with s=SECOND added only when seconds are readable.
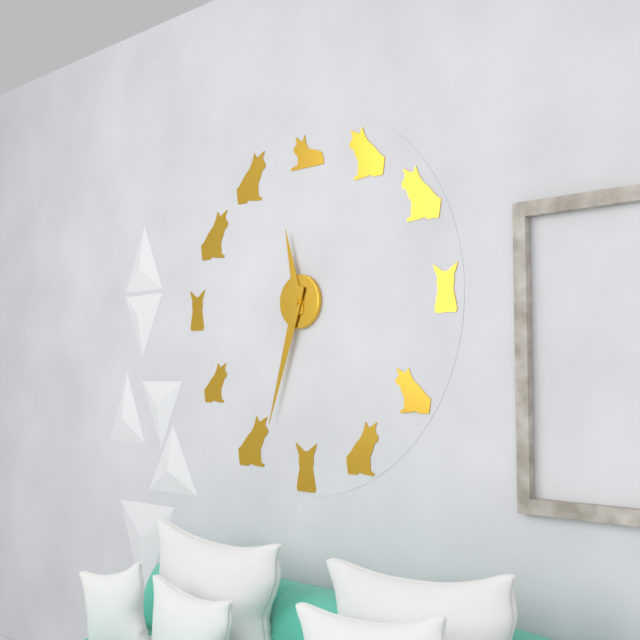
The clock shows h=11 m=33
